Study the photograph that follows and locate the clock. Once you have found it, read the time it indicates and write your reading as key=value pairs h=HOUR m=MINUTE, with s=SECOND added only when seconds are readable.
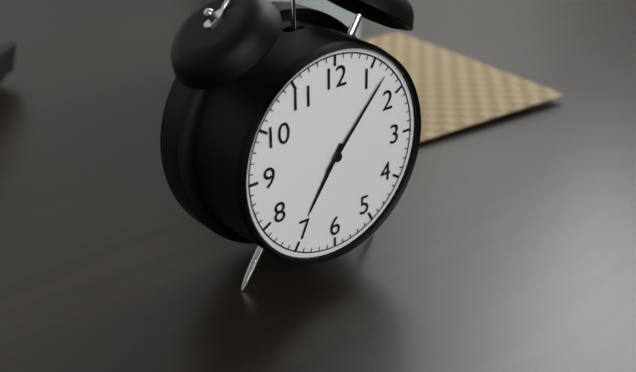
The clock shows h=7 m=7
